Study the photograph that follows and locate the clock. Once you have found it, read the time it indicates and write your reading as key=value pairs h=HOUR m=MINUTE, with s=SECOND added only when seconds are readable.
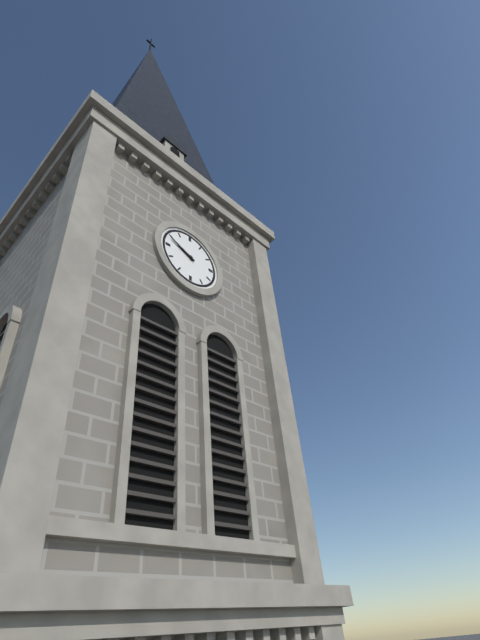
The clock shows h=9 m=49
